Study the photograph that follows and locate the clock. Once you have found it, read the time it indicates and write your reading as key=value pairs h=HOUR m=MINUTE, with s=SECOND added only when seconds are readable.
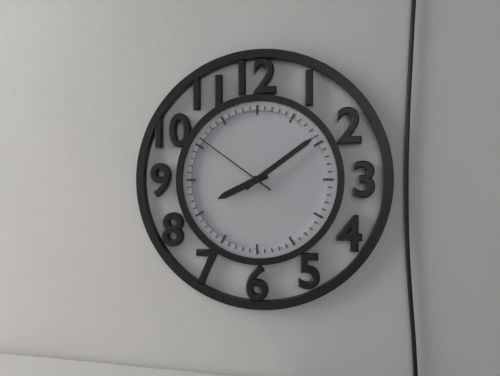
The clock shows h=8 m=9 s=51
